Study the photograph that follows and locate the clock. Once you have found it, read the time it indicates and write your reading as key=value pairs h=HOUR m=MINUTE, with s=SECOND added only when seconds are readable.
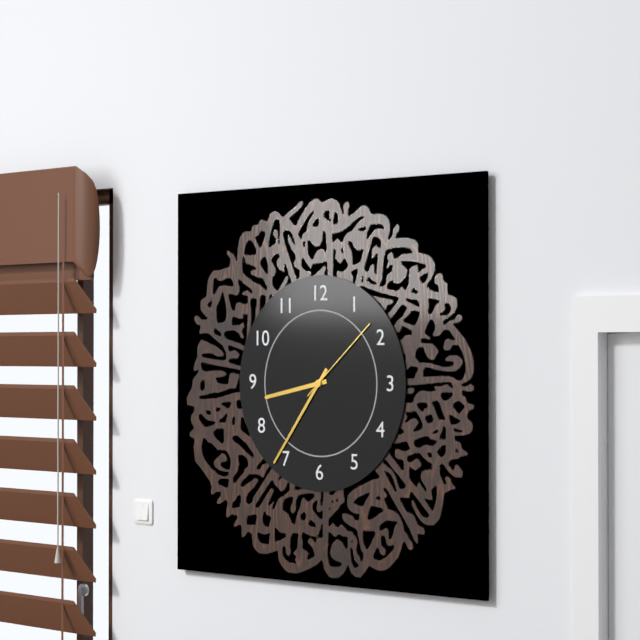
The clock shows h=8 m=36 s=8
